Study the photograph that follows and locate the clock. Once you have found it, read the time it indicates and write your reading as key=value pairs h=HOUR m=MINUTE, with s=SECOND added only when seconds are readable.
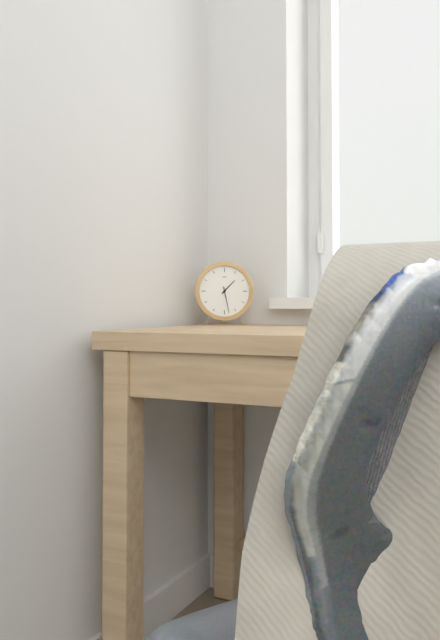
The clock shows h=1 m=28
